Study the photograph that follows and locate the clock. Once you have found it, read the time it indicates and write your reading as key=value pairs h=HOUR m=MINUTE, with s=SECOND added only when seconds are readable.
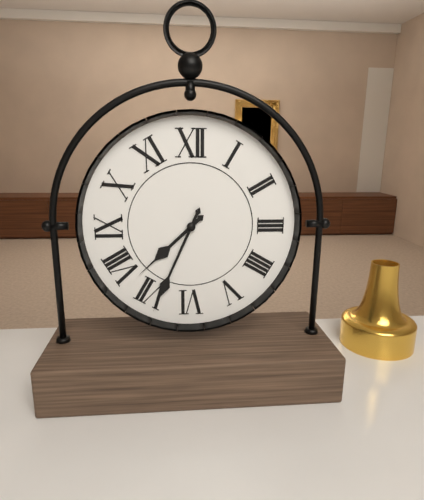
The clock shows h=7 m=34
